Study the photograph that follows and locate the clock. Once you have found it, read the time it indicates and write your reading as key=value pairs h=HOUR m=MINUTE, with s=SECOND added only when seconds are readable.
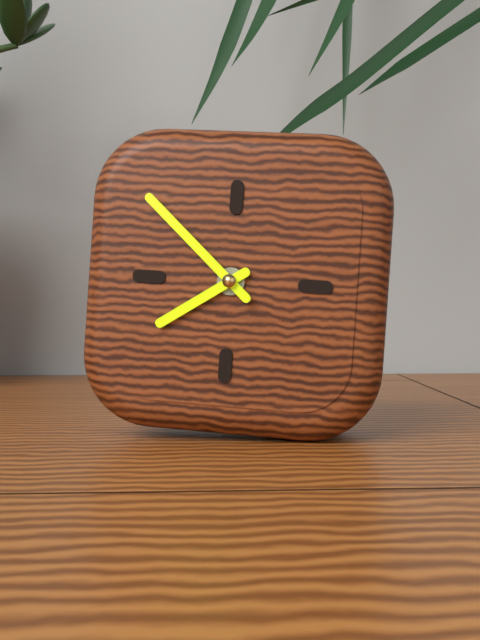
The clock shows h=7 m=52
